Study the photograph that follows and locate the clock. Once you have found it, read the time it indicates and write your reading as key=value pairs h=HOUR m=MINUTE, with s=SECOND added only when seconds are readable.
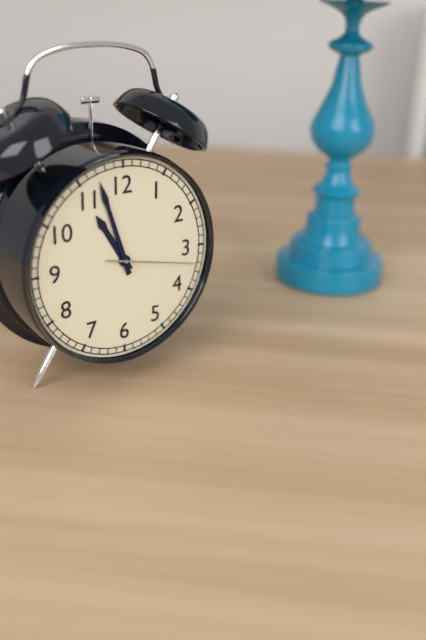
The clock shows h=10 m=57 s=17
